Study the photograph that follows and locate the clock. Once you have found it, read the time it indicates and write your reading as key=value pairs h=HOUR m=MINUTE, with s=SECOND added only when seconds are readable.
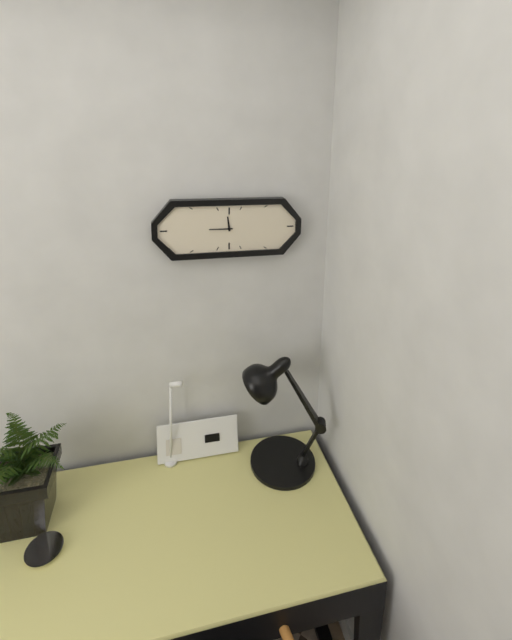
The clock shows h=11 m=45
